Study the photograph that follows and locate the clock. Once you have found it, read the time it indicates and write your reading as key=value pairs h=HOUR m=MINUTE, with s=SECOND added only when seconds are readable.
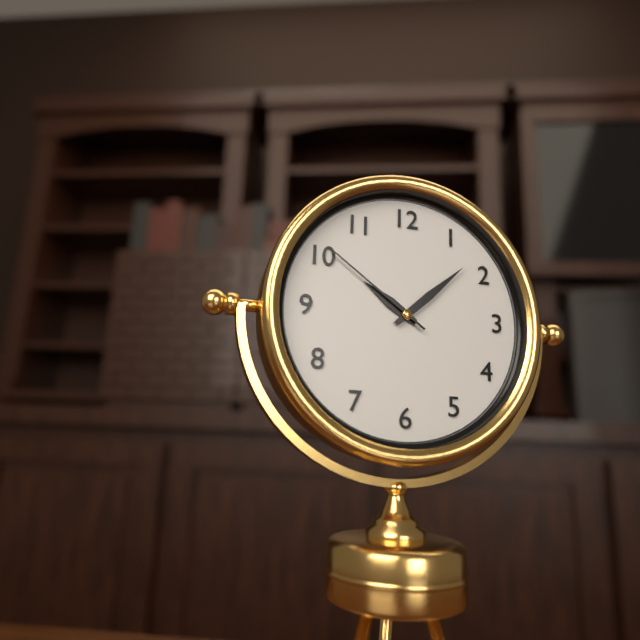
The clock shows h=10 m=8 s=51
